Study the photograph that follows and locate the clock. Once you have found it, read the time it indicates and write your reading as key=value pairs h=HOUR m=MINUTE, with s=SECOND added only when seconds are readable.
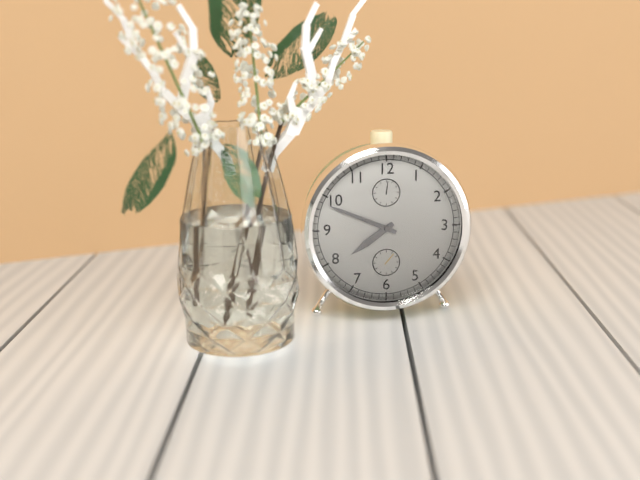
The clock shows h=7 m=49
